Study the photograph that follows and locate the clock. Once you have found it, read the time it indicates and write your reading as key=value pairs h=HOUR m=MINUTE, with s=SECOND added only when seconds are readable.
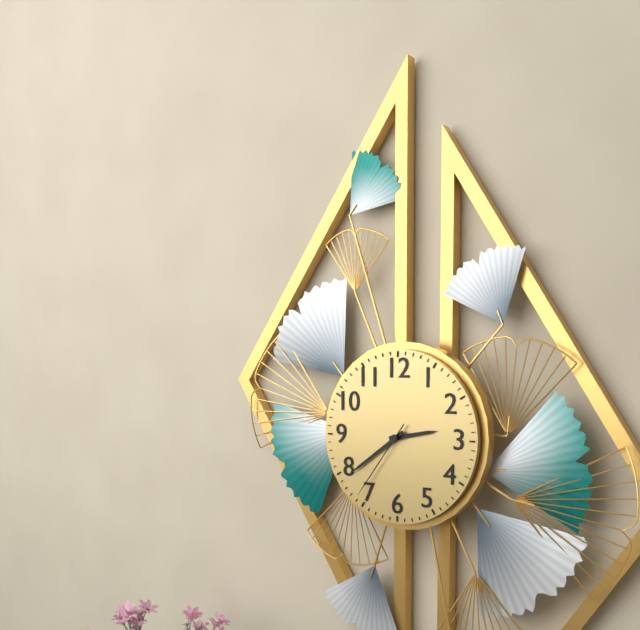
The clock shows h=2 m=39 s=36
